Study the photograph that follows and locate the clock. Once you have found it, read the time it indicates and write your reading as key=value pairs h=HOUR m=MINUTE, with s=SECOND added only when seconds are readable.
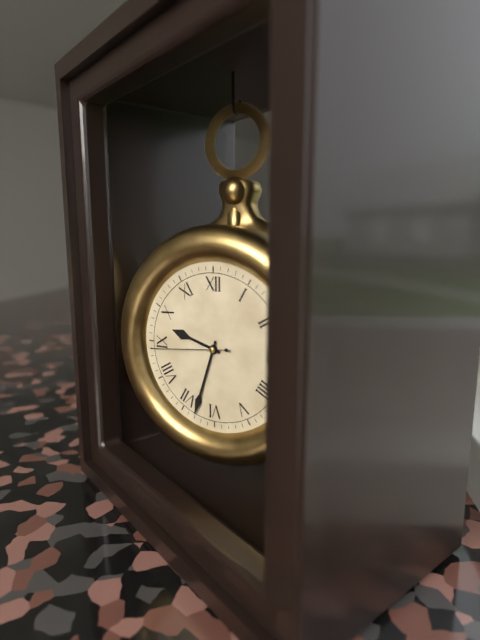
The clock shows h=9 m=33 s=44
